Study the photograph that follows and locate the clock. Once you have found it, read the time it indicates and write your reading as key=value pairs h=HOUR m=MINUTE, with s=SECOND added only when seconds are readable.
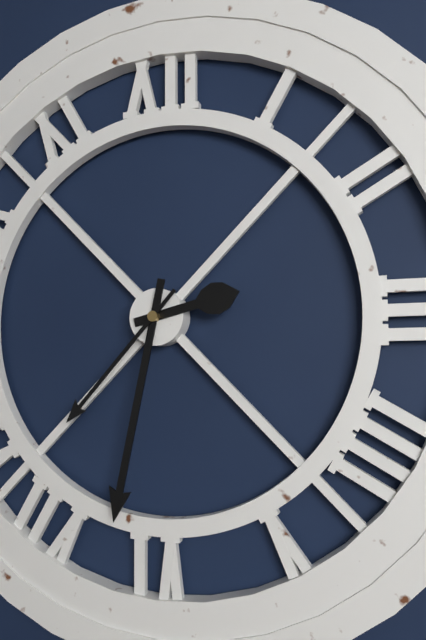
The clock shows h=2 m=32 s=37
